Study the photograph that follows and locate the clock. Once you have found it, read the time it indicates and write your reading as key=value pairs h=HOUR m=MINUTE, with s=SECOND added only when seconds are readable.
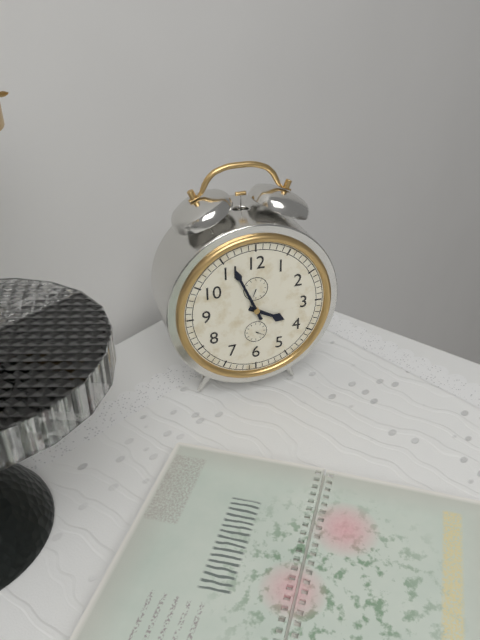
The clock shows h=3 m=56
